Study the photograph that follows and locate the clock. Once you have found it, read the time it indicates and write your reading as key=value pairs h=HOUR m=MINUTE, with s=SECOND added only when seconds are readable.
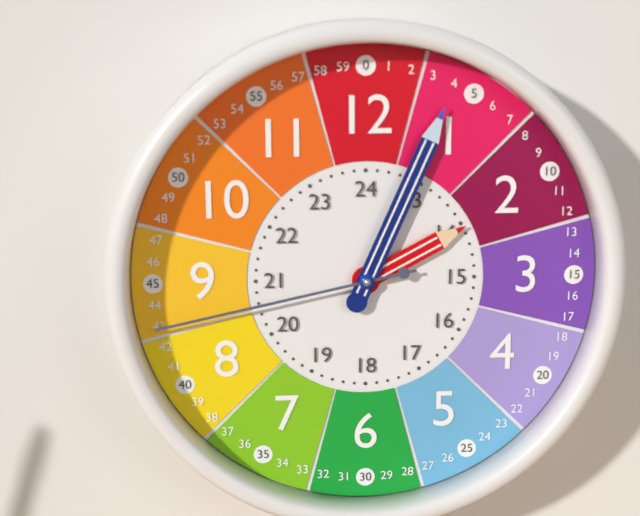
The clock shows h=2 m=4 s=43
